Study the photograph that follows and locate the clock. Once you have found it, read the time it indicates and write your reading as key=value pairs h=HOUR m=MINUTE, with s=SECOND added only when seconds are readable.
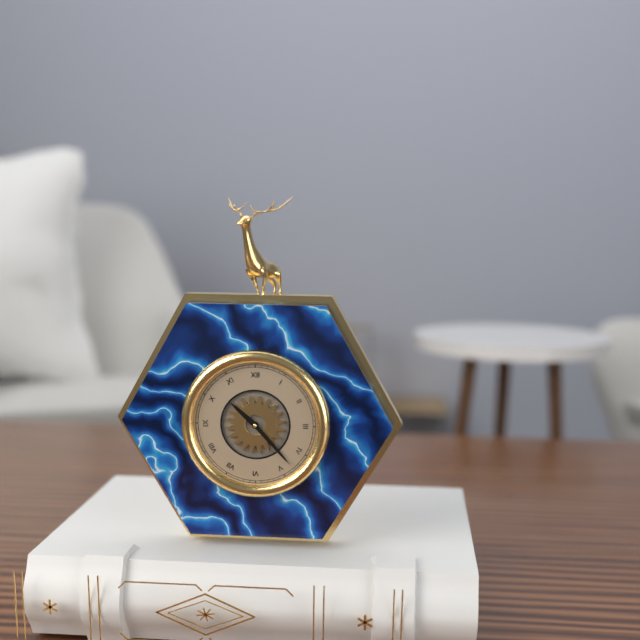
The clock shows h=10 m=23
